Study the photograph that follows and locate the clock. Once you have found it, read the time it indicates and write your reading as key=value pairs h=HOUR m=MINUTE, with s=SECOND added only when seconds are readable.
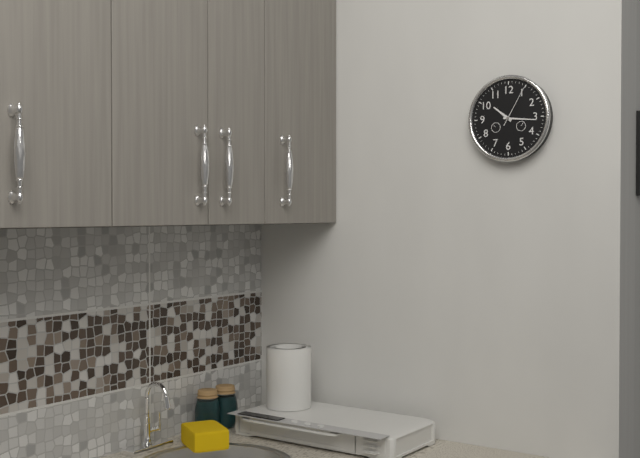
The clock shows h=10 m=16
